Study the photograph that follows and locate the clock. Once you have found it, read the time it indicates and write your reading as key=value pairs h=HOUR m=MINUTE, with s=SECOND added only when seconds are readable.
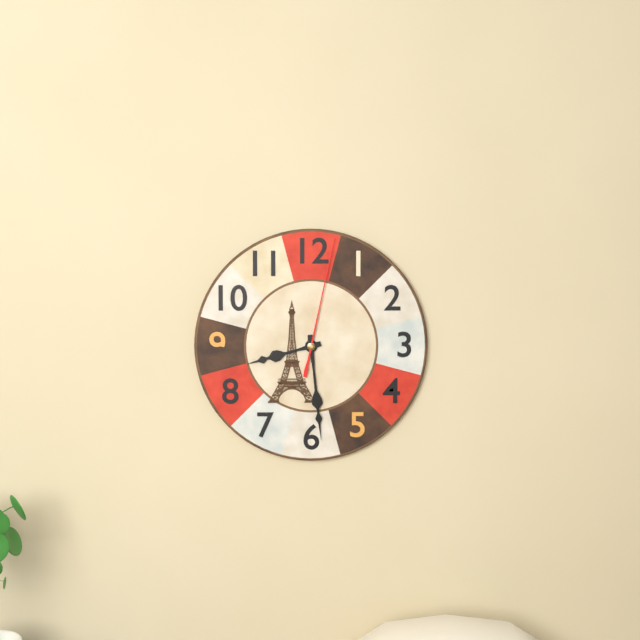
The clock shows h=8 m=29 s=2
